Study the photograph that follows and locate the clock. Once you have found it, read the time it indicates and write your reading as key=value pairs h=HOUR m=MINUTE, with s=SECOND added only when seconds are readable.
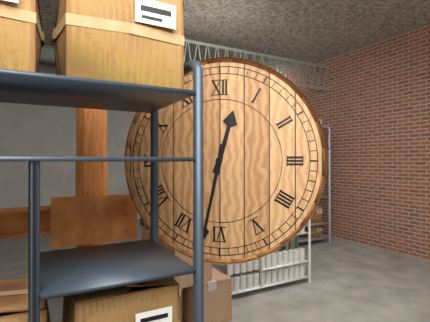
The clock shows h=12 m=32
